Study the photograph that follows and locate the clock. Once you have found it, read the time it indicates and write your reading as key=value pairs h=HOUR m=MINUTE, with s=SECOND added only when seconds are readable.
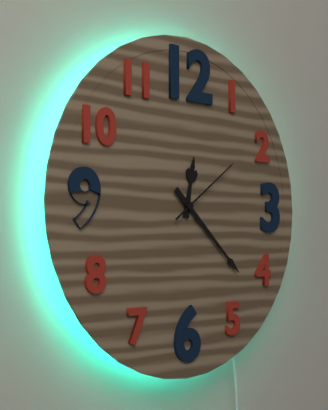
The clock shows h=12 m=22 s=9
